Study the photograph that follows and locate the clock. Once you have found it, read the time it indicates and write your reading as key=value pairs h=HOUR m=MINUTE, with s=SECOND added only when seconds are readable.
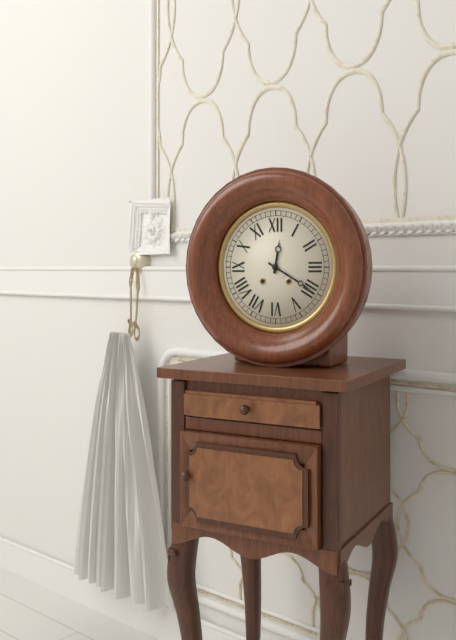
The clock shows h=12 m=20
